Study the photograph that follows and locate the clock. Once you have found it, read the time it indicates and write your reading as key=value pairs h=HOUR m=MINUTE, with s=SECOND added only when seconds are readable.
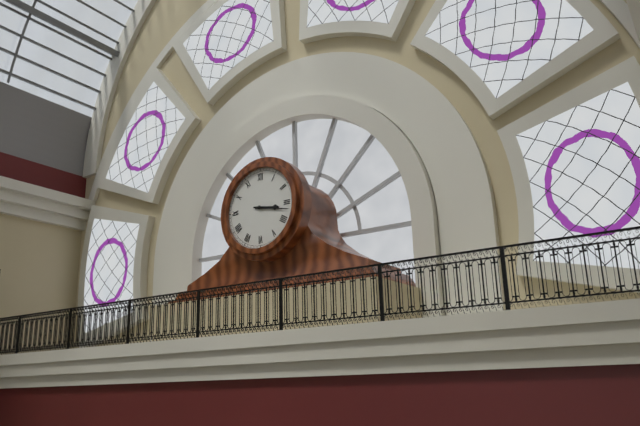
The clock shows h=3 m=17
